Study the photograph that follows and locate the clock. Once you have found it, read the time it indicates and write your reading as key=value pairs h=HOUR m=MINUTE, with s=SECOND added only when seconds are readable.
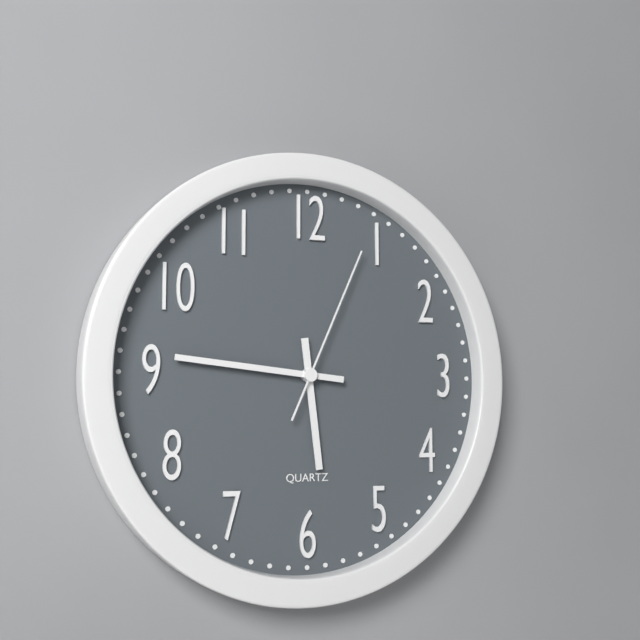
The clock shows h=5 m=46 s=4
